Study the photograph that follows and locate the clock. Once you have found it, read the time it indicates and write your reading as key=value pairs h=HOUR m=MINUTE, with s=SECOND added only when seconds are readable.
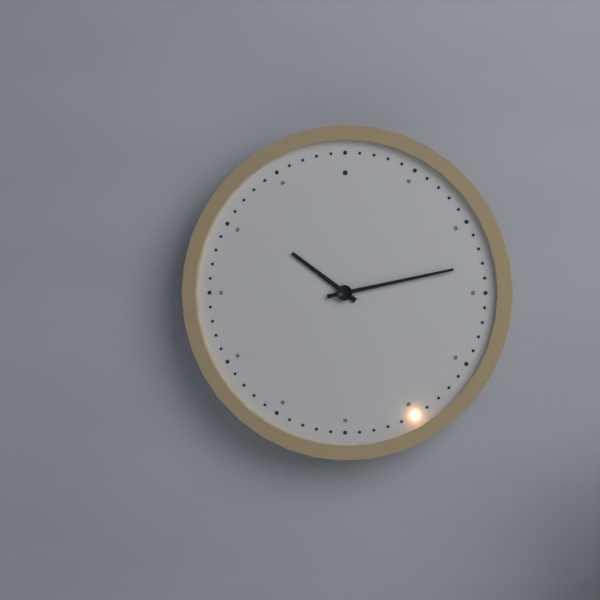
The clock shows h=10 m=13
